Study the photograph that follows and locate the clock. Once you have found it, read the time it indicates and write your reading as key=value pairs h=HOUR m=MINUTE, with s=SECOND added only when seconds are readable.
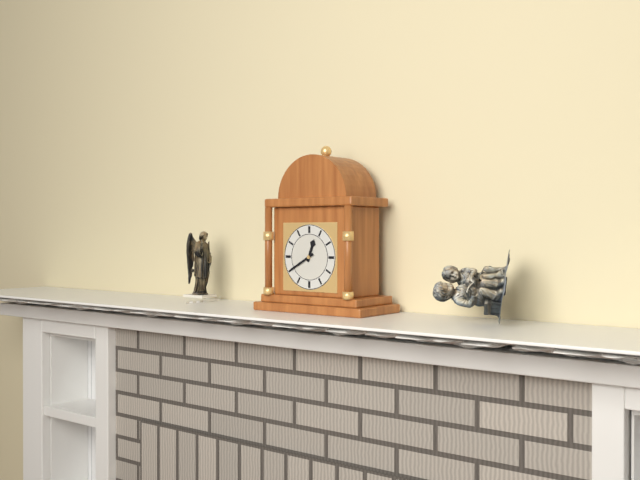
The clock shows h=12 m=40
